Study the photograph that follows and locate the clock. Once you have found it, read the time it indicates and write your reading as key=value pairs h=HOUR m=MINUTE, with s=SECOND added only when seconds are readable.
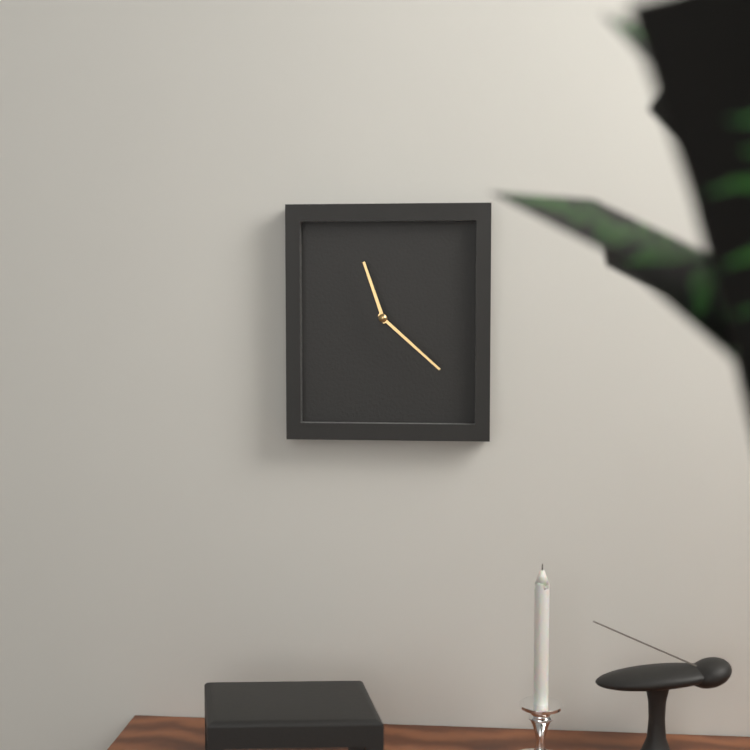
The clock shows h=11 m=22
